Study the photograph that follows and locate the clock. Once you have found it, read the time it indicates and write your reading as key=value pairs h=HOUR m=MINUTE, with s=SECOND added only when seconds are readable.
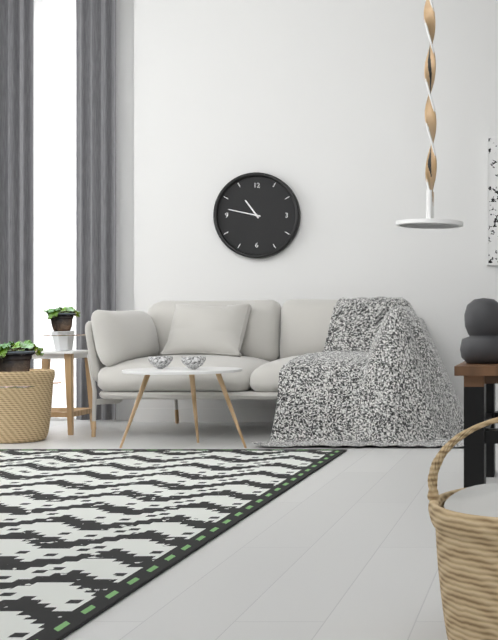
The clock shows h=10 m=47
